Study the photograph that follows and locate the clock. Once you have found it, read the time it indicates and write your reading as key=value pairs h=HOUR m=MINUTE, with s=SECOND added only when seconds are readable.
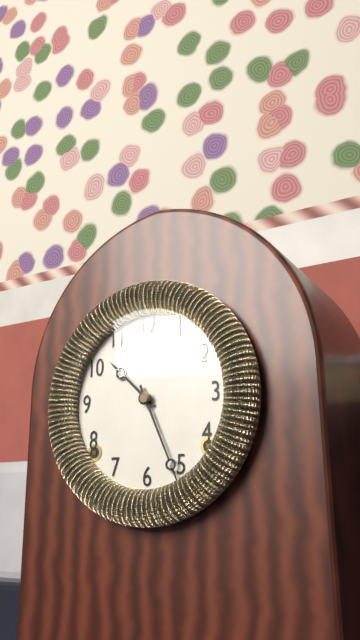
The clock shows h=10 m=26
